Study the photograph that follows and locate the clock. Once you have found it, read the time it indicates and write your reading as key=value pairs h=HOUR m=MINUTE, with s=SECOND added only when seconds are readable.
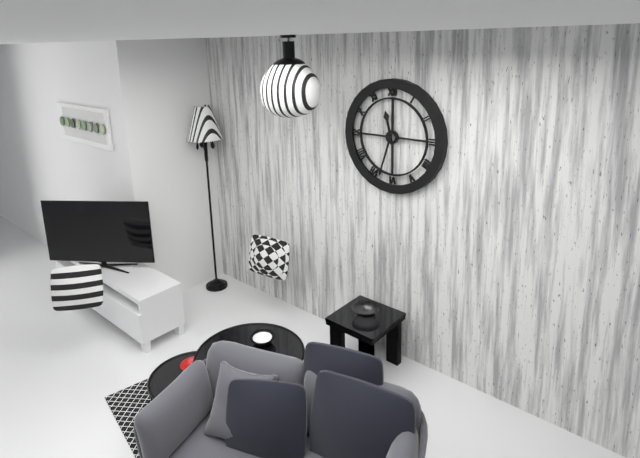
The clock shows h=11 m=33
